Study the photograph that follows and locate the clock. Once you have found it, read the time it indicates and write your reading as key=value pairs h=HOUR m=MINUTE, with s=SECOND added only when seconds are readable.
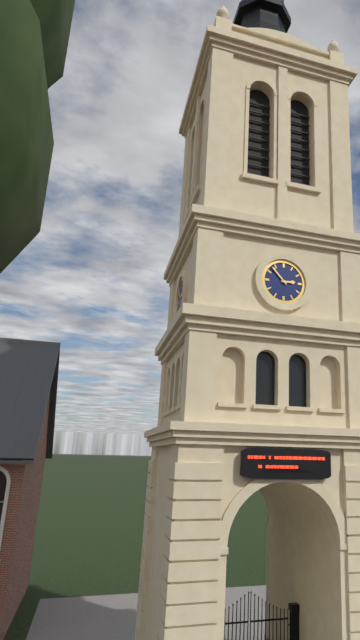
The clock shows h=2 m=53
